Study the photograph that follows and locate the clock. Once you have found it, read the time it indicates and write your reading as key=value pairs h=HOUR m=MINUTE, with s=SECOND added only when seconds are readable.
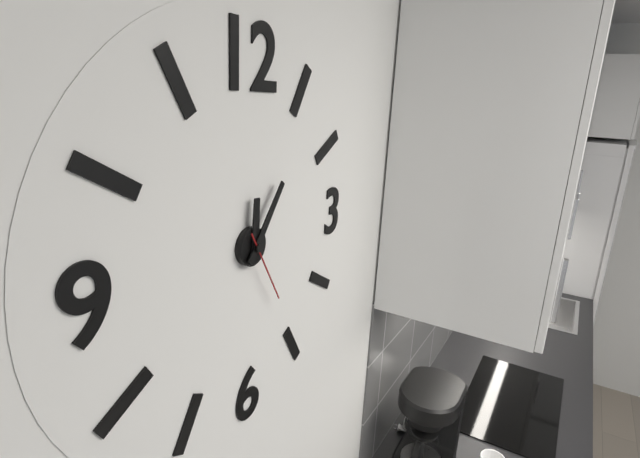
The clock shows h=12 m=6 s=25
